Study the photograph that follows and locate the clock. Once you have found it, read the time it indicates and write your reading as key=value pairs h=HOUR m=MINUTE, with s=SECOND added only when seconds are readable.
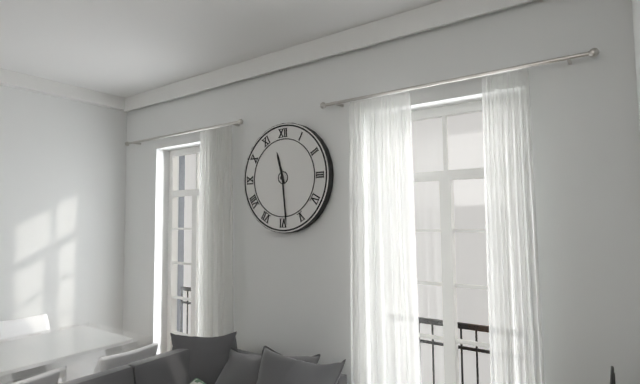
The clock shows h=11 m=29
